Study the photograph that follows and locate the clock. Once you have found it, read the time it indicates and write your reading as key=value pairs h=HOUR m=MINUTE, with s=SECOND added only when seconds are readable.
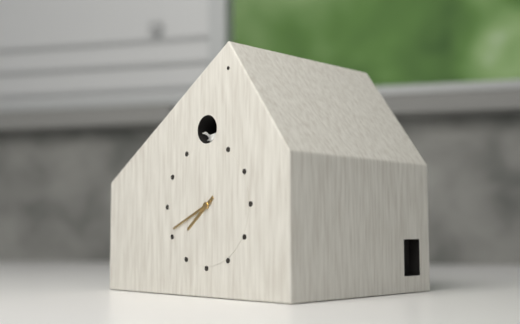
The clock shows h=7 m=41
